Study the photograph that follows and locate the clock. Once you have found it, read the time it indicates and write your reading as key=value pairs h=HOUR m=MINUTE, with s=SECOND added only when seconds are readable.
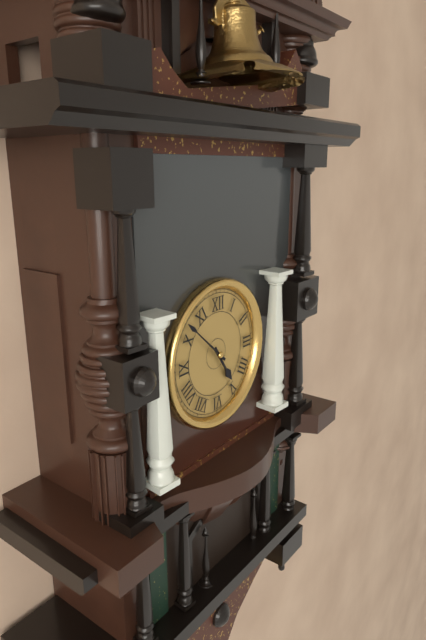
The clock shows h=4 m=52
